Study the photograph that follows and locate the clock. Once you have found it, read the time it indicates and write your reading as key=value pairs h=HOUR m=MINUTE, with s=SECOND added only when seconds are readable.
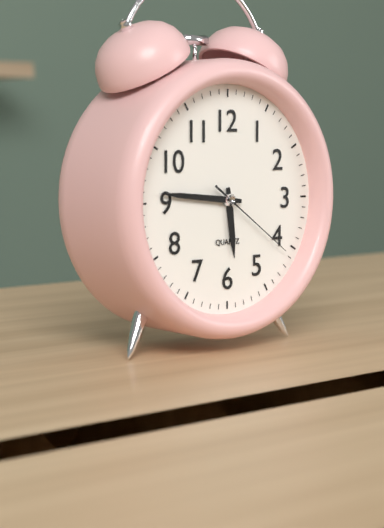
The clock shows h=5 m=46 s=21
